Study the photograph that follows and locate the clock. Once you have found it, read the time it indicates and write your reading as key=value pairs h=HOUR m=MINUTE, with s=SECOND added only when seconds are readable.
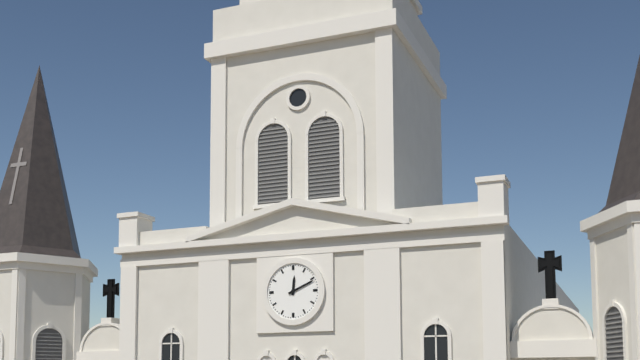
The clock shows h=12 m=11
